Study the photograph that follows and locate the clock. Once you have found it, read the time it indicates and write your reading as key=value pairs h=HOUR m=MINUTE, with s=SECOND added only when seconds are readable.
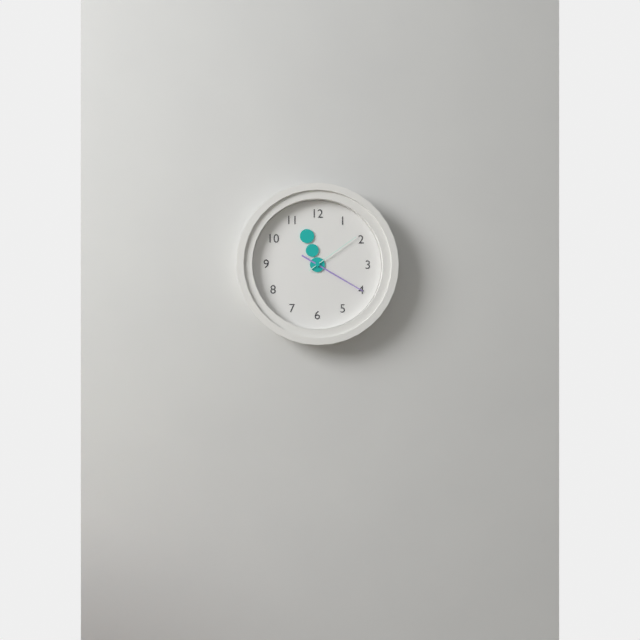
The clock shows h=11 m=20 s=9
